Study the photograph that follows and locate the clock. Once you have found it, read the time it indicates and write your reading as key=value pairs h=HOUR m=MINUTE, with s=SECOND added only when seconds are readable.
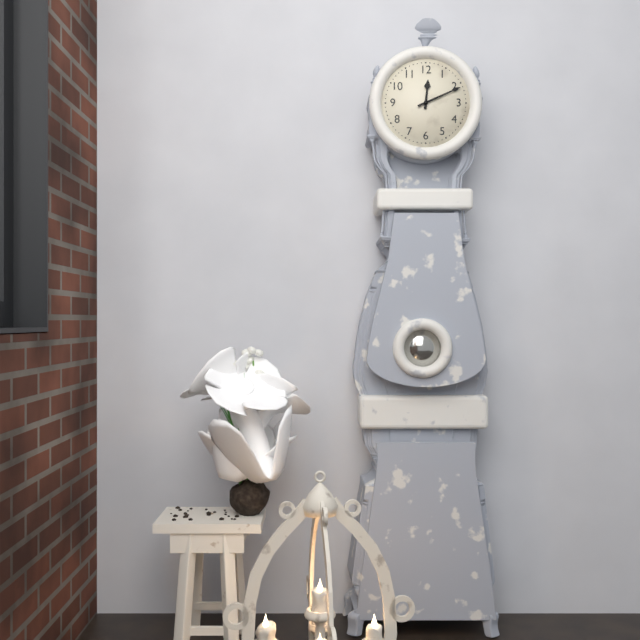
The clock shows h=12 m=11
